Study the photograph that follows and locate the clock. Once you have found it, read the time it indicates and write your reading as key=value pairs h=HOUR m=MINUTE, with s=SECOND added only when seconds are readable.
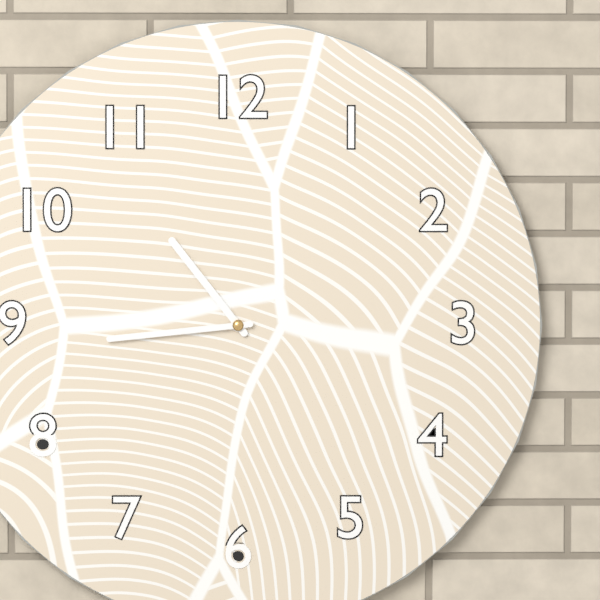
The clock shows h=10 m=44
